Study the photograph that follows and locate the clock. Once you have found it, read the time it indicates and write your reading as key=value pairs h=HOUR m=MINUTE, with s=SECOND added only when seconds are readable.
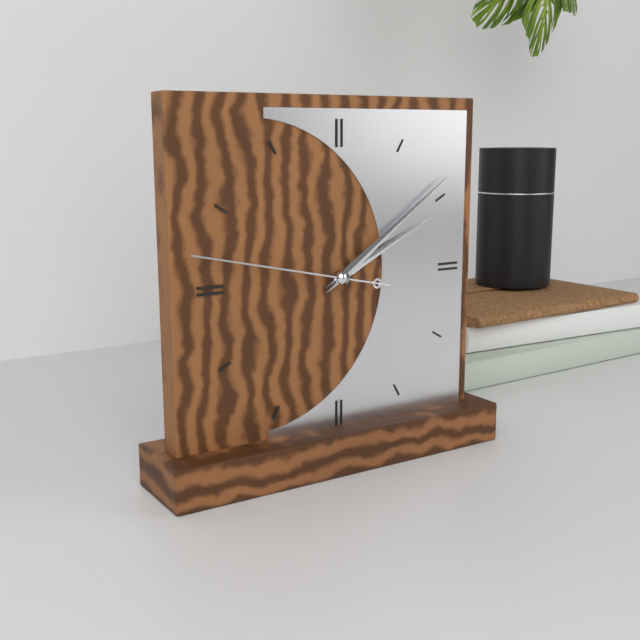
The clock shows h=2 m=9 s=47
